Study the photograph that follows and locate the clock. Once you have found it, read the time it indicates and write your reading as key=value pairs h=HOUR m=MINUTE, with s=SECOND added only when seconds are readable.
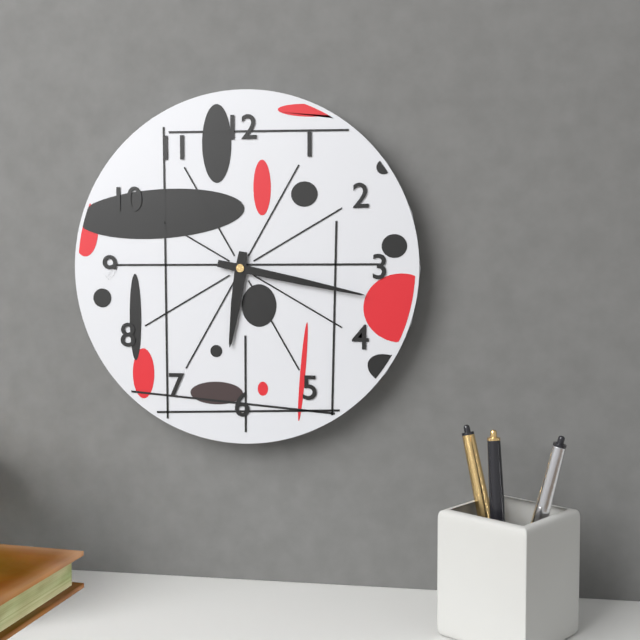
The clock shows h=6 m=17
